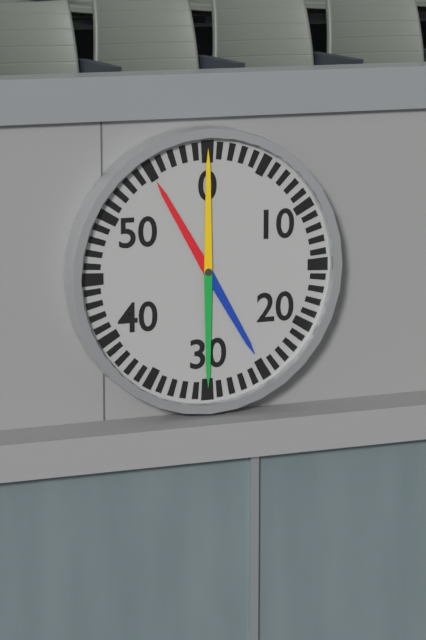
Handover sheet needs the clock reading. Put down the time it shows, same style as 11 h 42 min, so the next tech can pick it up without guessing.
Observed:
11 h 00 min
